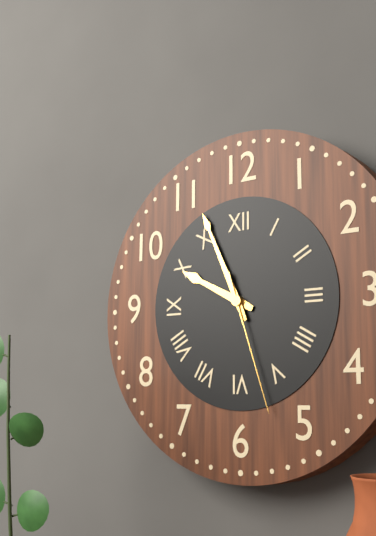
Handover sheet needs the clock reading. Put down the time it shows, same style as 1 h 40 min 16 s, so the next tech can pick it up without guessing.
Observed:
9 h 56 min 27 s
